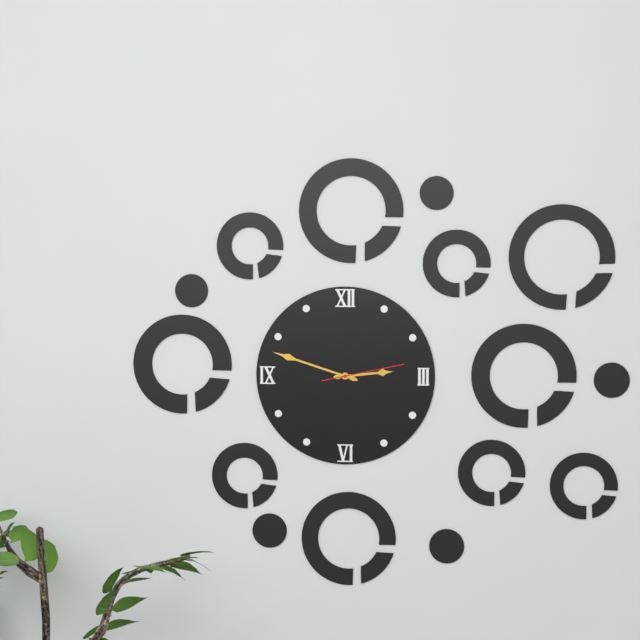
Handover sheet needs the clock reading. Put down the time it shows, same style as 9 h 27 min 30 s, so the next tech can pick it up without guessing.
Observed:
2 h 48 min 13 s
